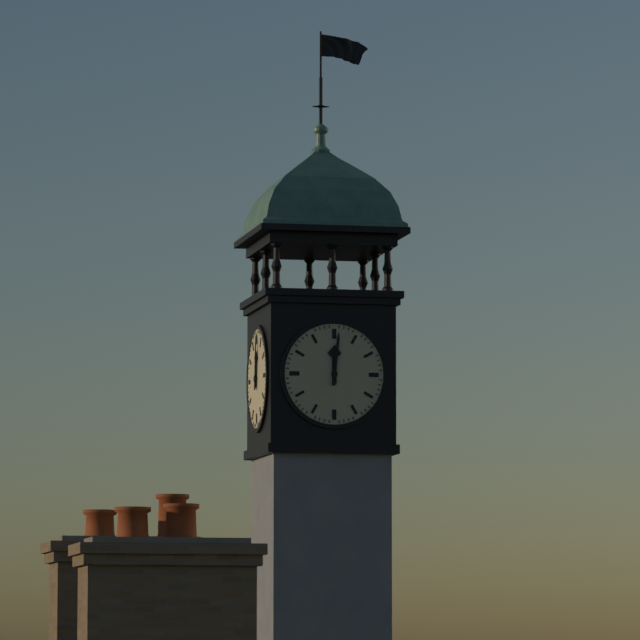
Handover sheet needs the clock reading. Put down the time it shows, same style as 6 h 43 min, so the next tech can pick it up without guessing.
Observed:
12 h 01 min
